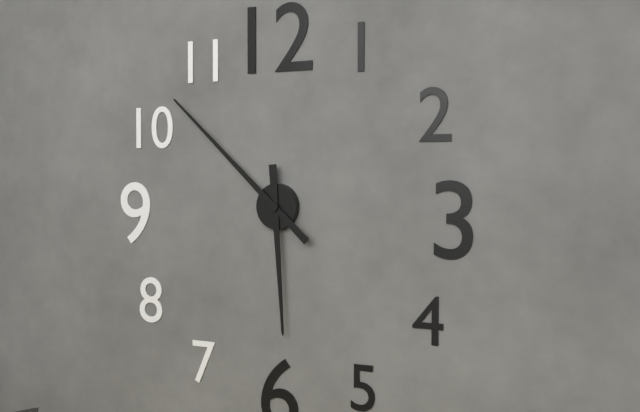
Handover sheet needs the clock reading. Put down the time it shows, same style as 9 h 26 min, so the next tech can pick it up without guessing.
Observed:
5 h 52 min
